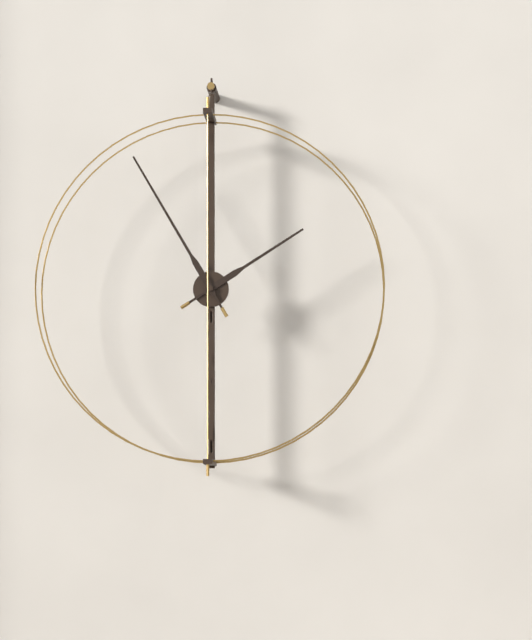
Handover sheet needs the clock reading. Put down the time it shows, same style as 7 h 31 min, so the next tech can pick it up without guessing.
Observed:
1 h 55 min
